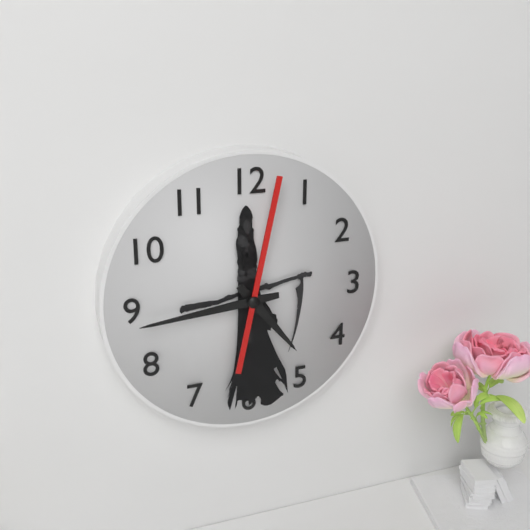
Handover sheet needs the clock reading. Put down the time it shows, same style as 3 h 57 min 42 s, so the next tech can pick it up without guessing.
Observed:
4 h 44 min 02 s
